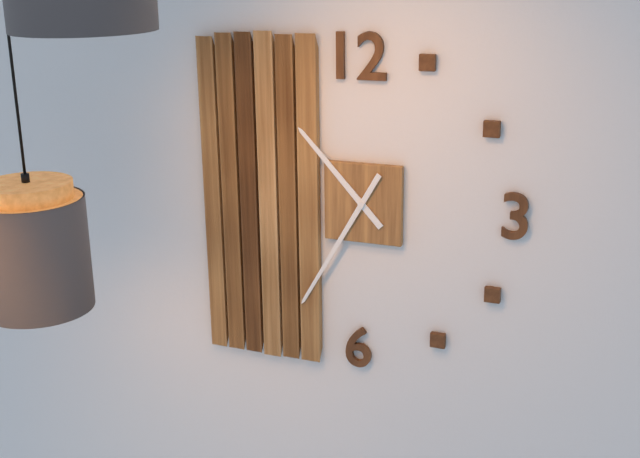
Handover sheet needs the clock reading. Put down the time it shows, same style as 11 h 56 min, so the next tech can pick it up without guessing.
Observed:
10 h 35 min
